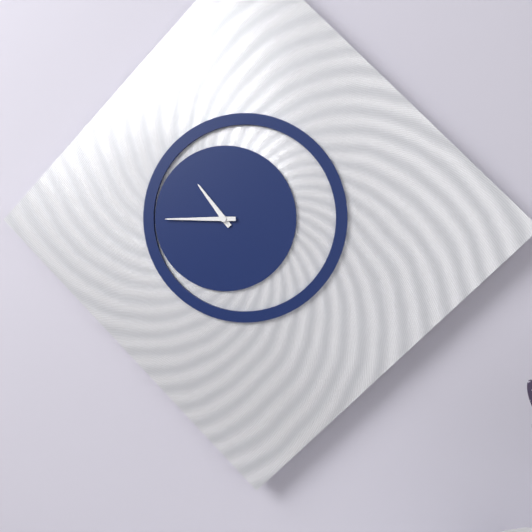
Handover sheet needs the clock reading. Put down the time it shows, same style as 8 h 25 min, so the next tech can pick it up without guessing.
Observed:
10 h 45 min
